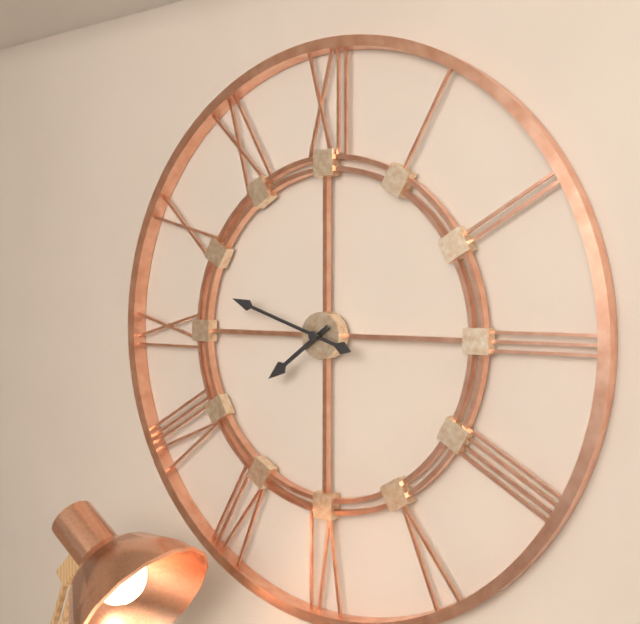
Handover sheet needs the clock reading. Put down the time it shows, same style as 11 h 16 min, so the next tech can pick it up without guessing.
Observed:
7 h 48 min
